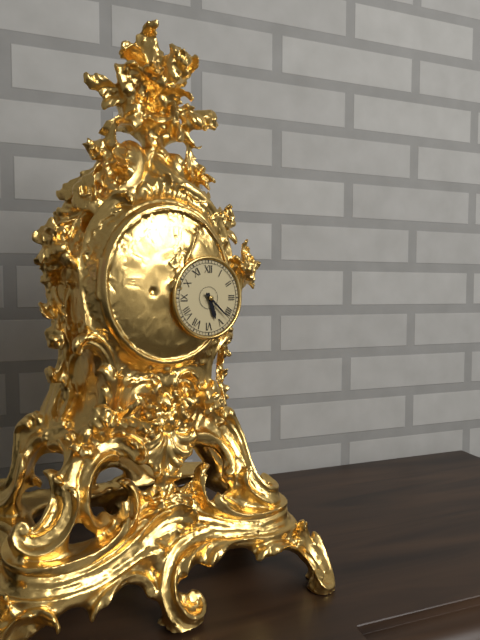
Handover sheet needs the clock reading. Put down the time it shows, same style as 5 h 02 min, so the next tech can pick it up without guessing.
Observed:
5 h 22 min
